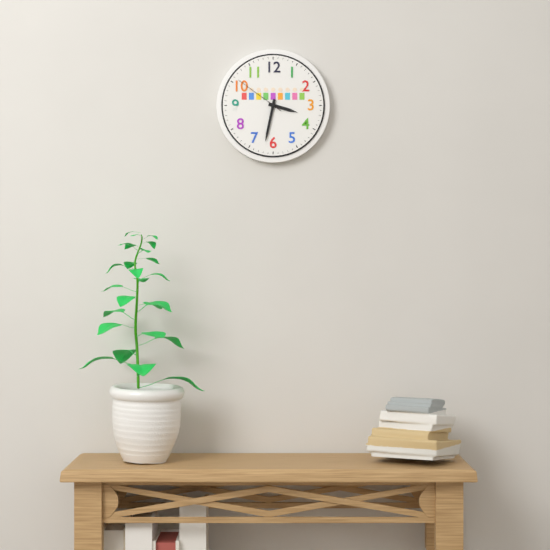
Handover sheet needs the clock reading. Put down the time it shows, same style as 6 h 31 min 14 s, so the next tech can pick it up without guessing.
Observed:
3 h 32 min 51 s
